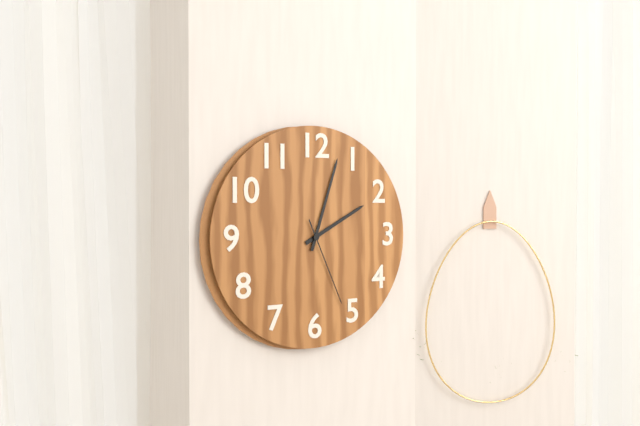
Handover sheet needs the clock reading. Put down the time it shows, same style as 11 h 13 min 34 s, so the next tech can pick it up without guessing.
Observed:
2 h 03 min 26 s
